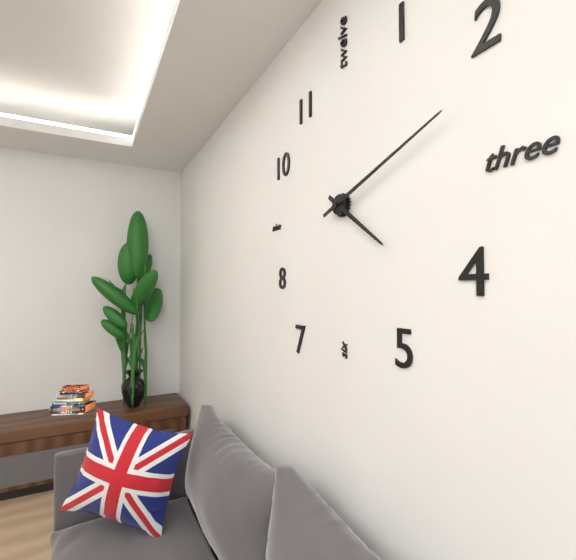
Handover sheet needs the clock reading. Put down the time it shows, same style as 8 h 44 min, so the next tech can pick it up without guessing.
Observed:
4 h 12 min
